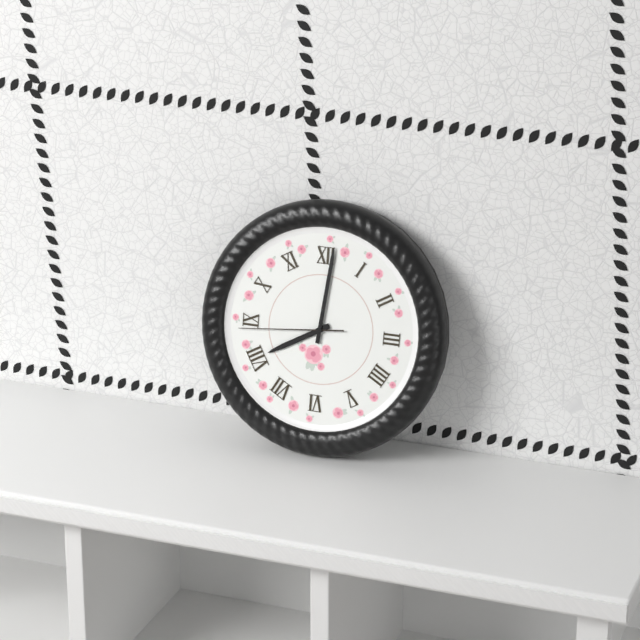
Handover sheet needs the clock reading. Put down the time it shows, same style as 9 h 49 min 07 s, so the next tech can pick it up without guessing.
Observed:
8 h 01 min 44 s
